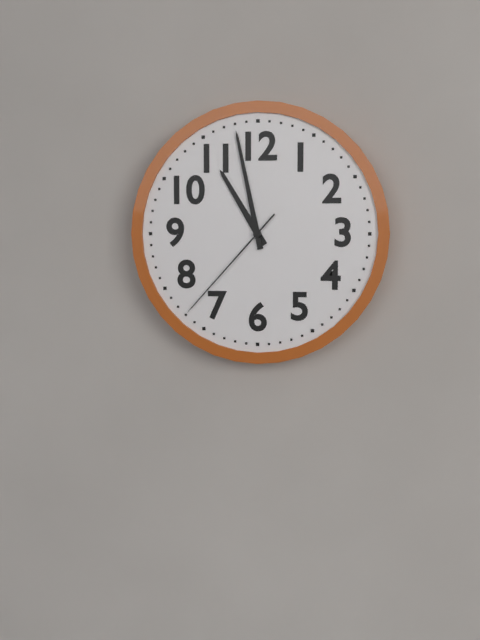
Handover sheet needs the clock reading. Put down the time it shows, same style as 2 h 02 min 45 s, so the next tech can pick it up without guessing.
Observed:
10 h 58 min 37 s
